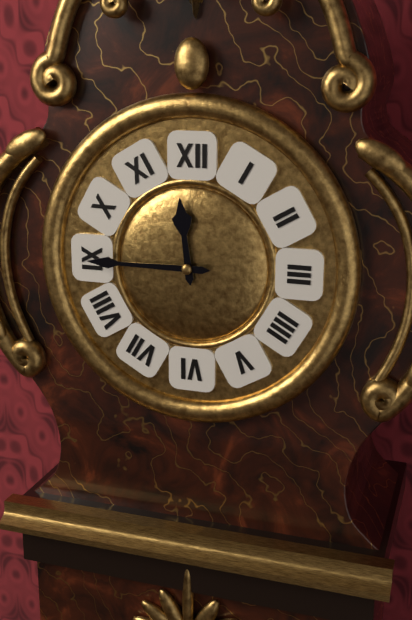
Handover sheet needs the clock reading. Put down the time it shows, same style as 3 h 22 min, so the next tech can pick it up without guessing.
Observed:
11 h 45 min
